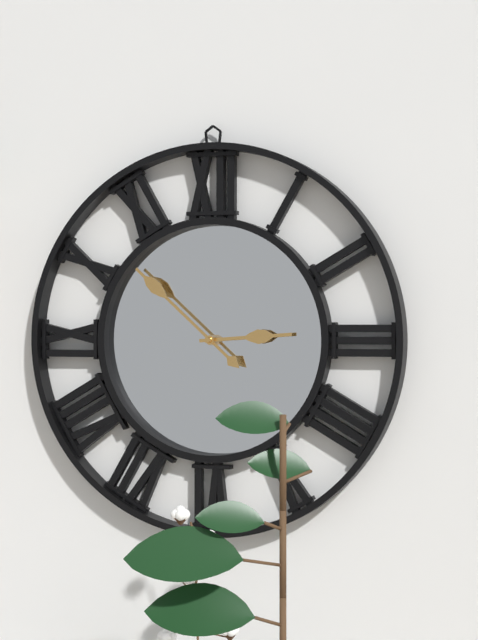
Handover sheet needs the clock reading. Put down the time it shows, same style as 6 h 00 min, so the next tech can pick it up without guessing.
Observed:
2 h 52 min
